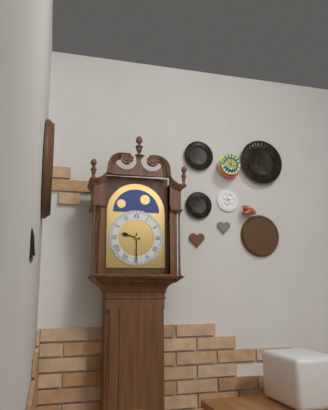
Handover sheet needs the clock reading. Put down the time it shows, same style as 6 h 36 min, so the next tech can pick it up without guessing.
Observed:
9 h 30 min
